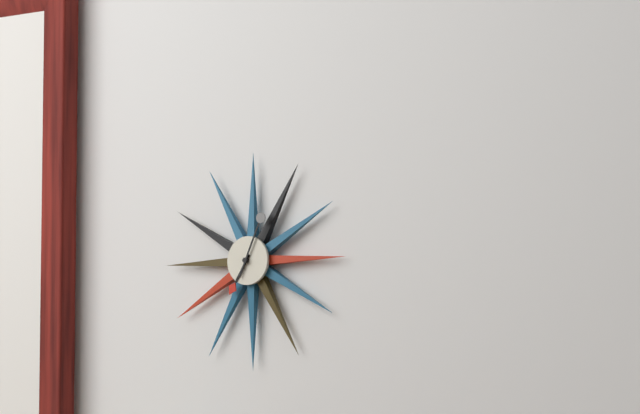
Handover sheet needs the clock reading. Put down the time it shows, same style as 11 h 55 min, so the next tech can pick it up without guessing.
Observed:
7 h 04 min
